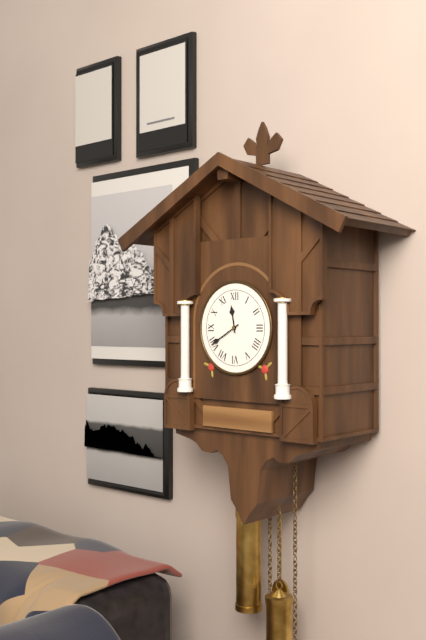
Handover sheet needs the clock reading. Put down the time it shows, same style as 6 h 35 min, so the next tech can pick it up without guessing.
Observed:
11 h 40 min
